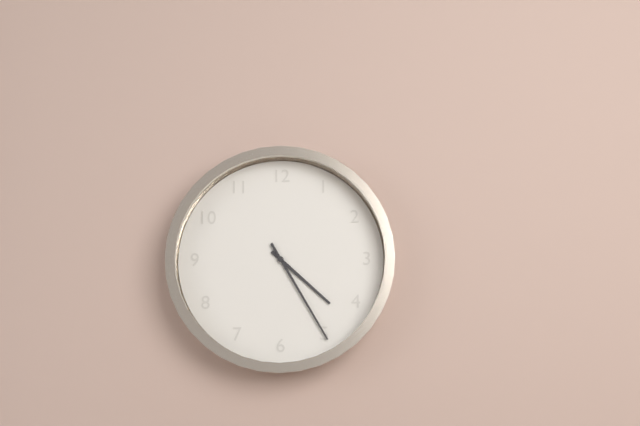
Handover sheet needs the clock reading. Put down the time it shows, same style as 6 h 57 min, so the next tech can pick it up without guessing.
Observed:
4 h 25 min
